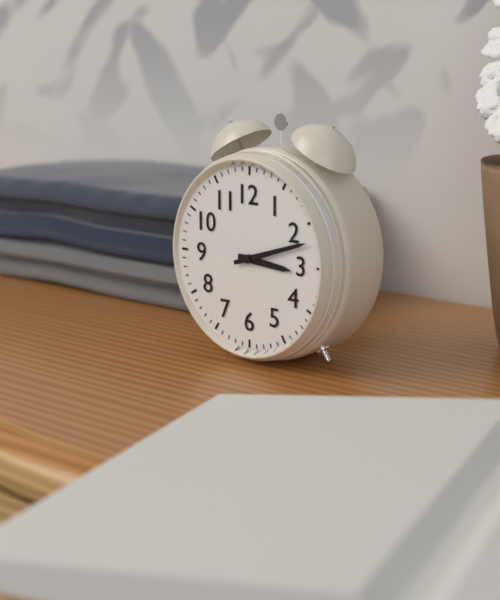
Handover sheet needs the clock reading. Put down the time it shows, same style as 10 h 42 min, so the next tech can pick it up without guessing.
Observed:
3 h 12 min
